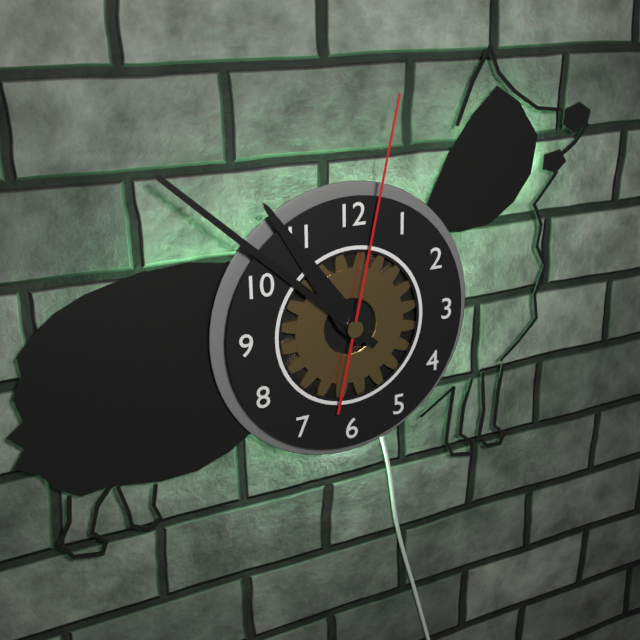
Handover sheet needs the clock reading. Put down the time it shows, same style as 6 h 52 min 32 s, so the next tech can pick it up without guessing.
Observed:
10 h 52 min 02 s
